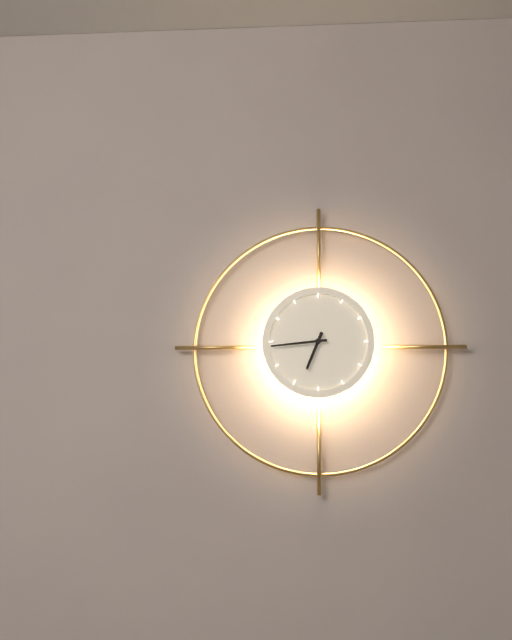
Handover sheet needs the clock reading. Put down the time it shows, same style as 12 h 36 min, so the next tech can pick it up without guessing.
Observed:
6 h 44 min
